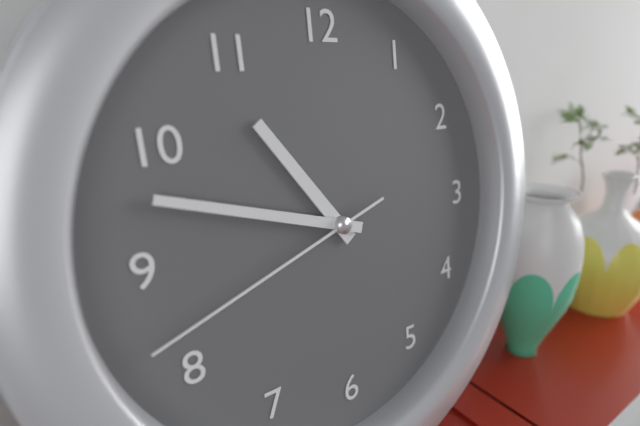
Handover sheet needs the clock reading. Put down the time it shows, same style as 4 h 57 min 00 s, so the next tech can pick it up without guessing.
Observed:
10 h 48 min 42 s
